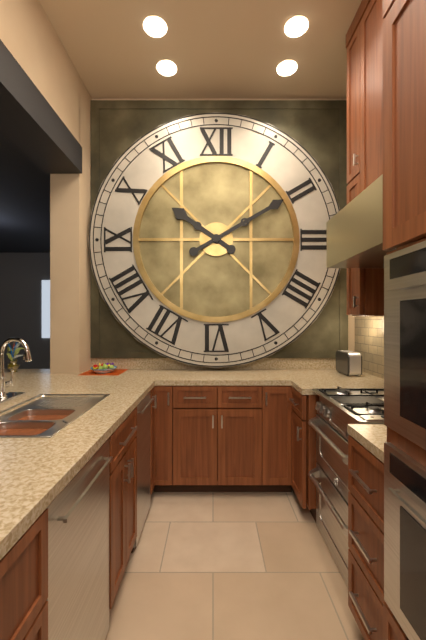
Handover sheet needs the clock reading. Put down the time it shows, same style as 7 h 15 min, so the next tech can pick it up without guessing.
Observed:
10 h 10 min
